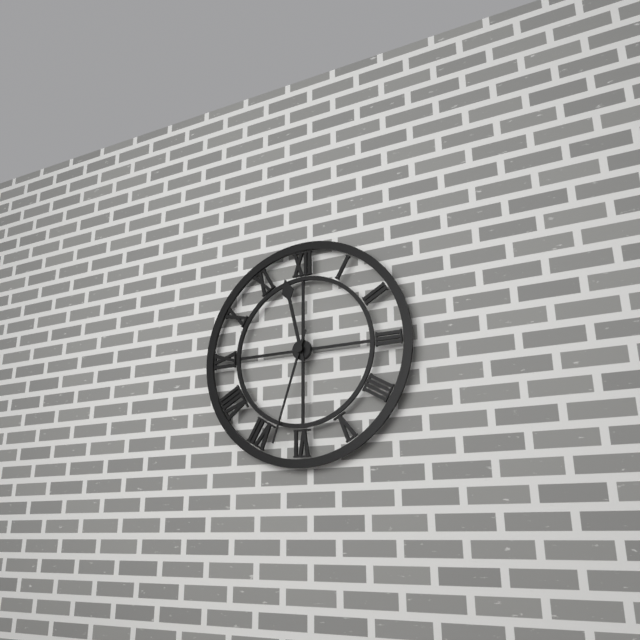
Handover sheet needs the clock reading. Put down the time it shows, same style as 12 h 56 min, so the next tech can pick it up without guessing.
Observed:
11 h 33 min
